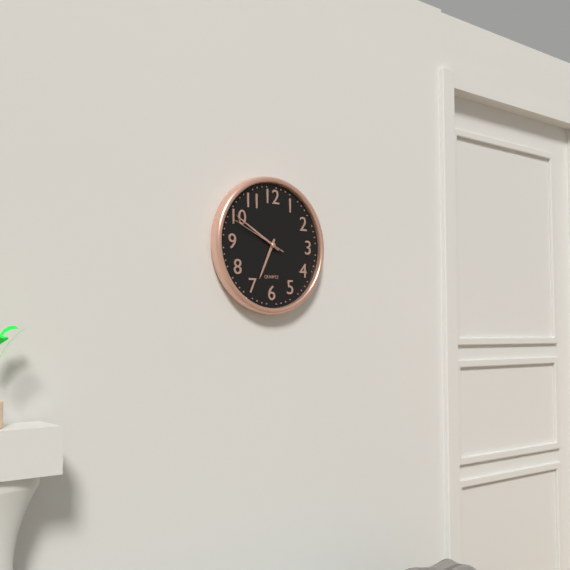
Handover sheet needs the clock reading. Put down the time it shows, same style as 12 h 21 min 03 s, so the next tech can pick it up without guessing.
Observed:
6 h 50 min 49 s
